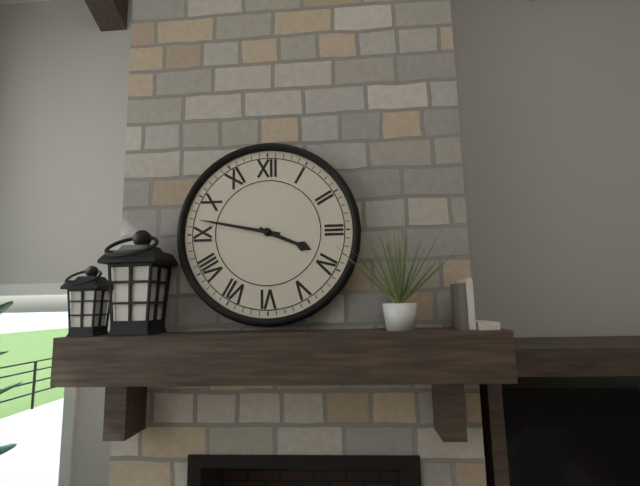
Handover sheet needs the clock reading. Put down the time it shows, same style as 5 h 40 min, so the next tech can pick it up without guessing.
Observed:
3 h 47 min
